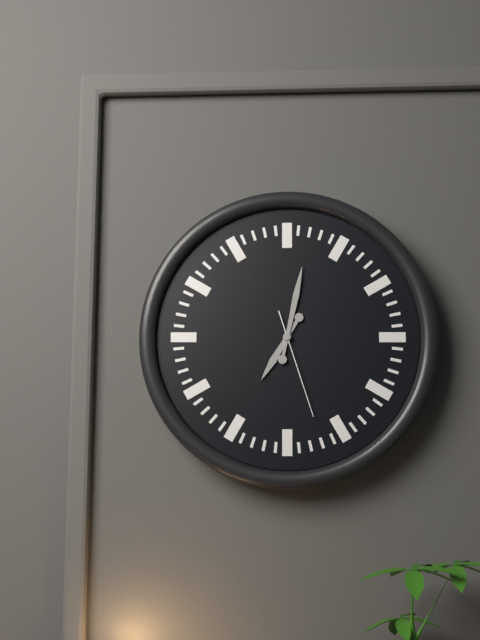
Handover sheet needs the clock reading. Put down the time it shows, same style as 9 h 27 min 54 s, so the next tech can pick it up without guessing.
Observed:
7 h 02 min 27 s
